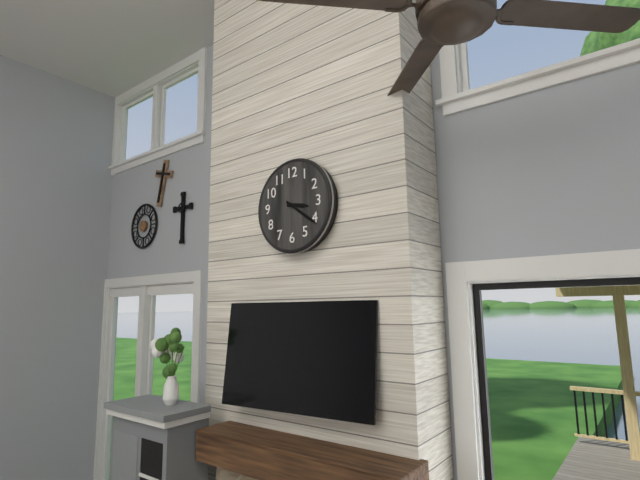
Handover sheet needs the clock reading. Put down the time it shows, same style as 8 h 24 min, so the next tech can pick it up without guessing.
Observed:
3 h 21 min
